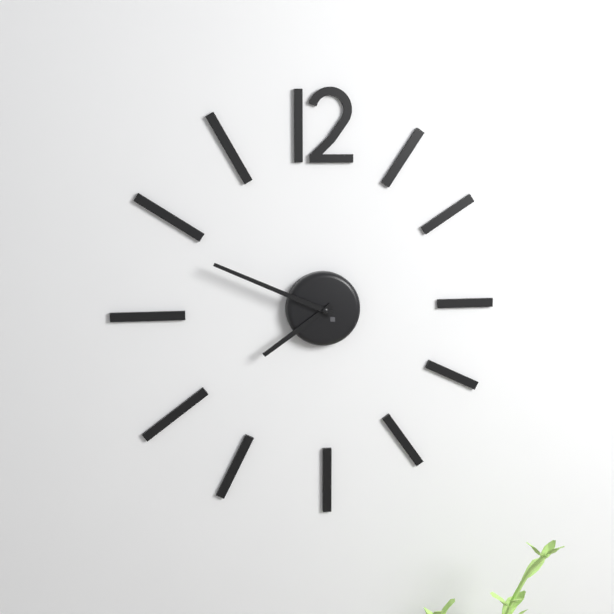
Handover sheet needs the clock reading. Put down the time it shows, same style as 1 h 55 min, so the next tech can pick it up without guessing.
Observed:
7 h 49 min
